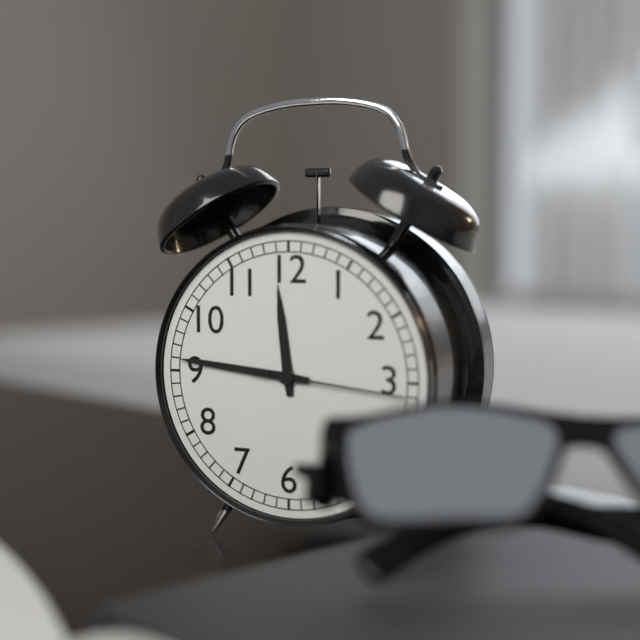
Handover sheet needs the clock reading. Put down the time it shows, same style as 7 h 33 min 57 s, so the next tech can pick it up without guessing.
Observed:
11 h 46 min 16 s
